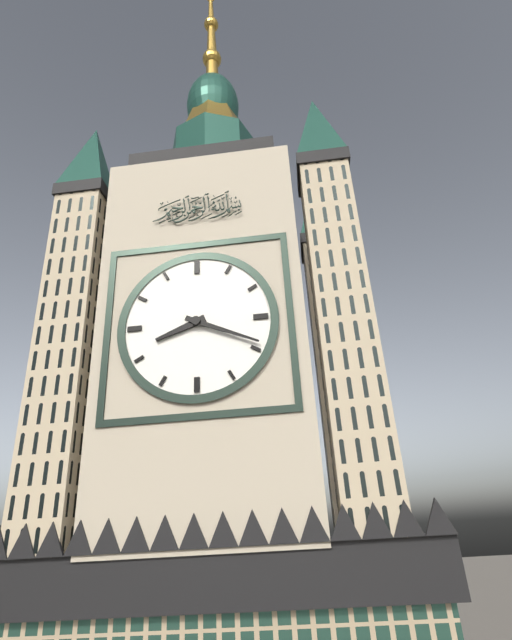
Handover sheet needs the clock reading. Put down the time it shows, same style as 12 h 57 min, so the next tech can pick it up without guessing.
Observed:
8 h 19 min
